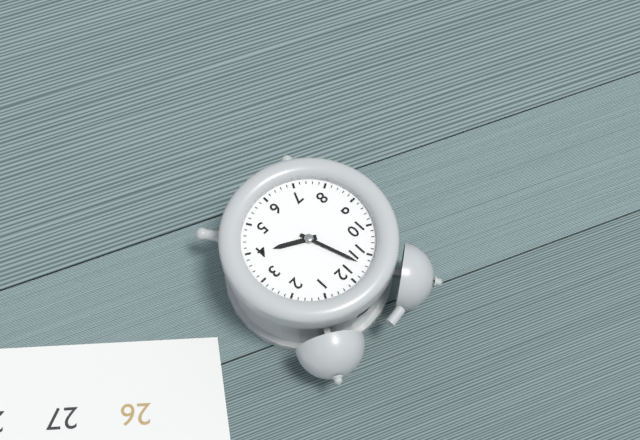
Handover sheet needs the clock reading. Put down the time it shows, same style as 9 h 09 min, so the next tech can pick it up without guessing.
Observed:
3 h 57 min
